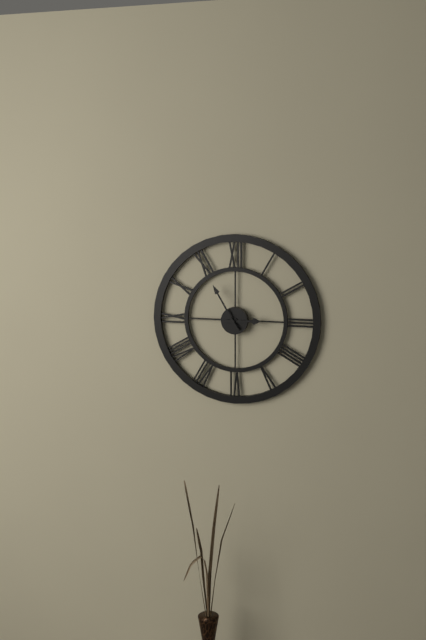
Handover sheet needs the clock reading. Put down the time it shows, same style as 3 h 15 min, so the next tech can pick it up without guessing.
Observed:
2 h 55 min
